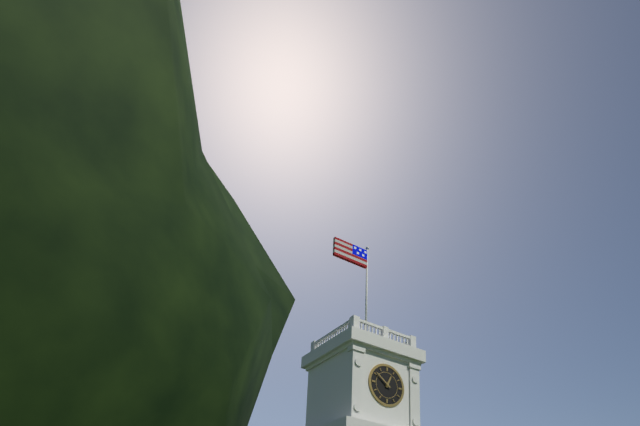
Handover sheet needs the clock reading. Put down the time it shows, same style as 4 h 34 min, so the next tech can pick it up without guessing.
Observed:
12 h 51 min
